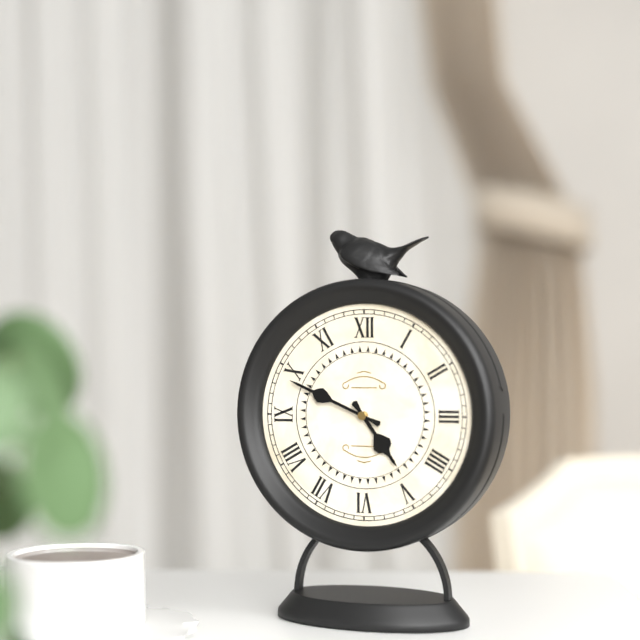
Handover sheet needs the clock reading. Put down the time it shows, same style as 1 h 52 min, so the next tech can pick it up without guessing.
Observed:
4 h 49 min
